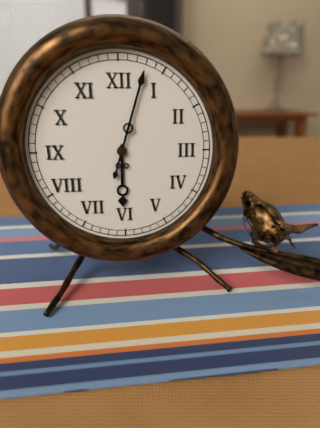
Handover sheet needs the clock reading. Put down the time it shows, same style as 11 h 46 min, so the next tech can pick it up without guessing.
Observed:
6 h 03 min
